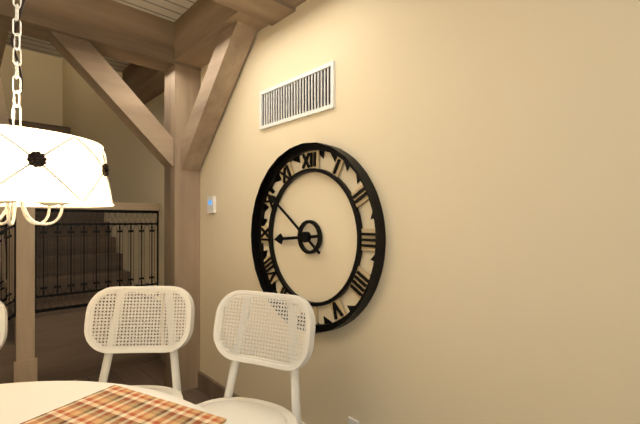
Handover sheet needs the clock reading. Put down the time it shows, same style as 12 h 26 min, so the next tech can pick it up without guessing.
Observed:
8 h 51 min
